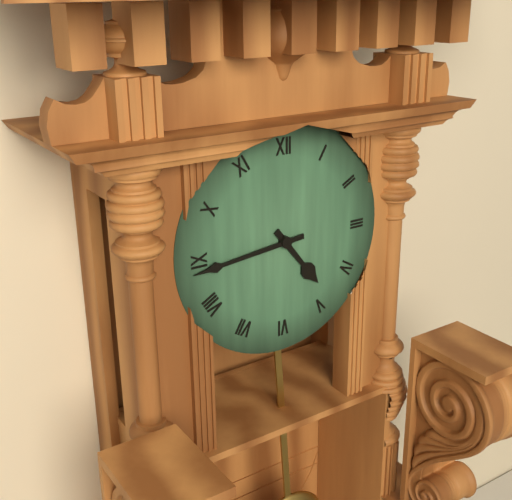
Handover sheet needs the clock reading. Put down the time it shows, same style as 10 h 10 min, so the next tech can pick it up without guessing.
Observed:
4 h 44 min
